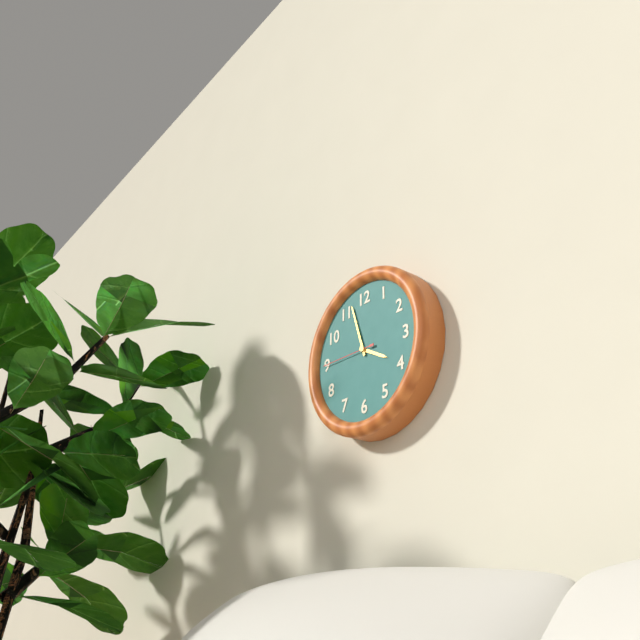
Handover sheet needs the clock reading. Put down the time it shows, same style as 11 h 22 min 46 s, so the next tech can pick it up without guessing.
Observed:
3 h 57 min 45 s
